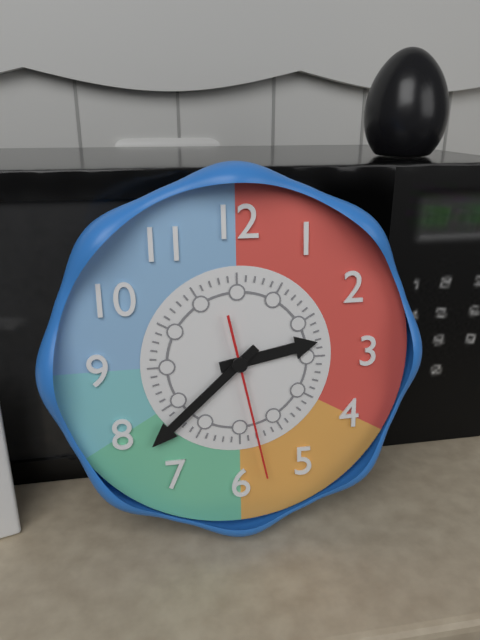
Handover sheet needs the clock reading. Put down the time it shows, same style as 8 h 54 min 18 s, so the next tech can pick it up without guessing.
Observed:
2 h 38 min 28 s
